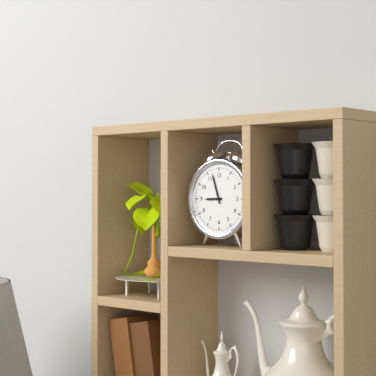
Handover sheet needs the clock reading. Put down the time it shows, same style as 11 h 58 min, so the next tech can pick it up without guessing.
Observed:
8 h 57 min
